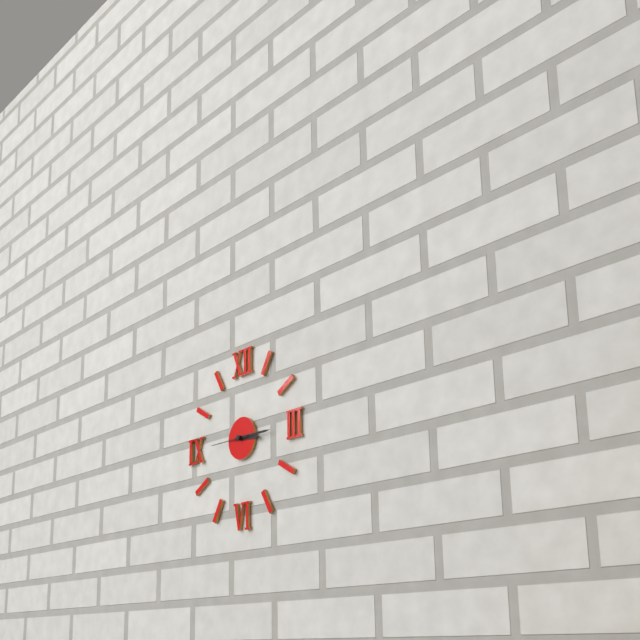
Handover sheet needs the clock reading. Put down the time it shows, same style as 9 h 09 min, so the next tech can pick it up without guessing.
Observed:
3 h 15 min
